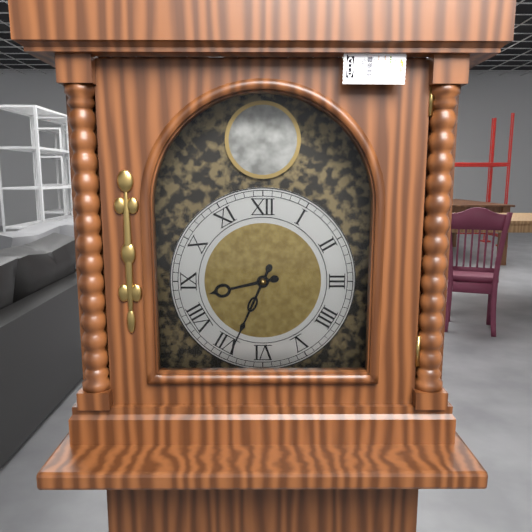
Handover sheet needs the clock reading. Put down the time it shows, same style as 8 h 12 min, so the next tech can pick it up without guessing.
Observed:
8 h 34 min
